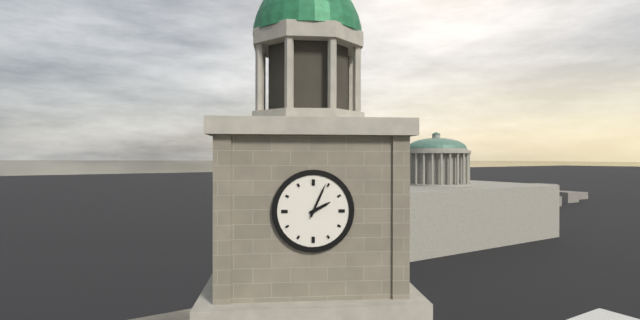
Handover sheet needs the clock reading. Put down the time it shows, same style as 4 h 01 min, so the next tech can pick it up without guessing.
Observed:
2 h 04 min
